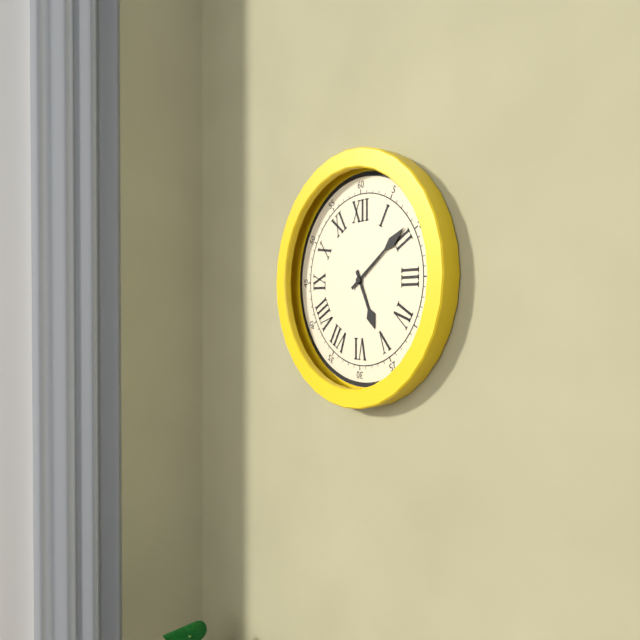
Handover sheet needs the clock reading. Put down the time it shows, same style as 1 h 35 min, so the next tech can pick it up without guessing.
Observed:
5 h 09 min
